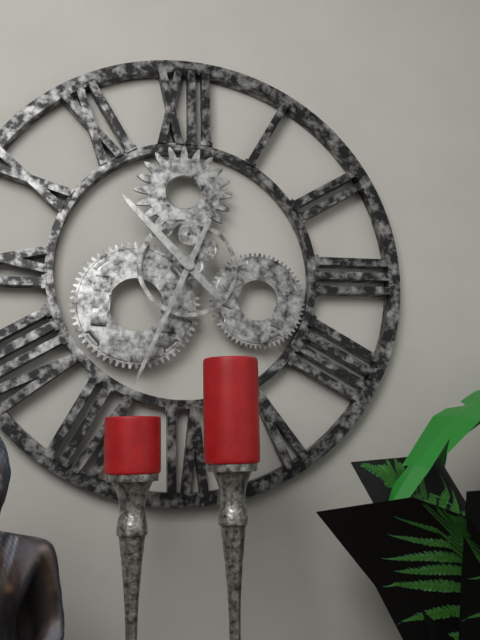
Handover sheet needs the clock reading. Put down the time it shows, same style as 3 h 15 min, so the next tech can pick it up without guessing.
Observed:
10 h 34 min
